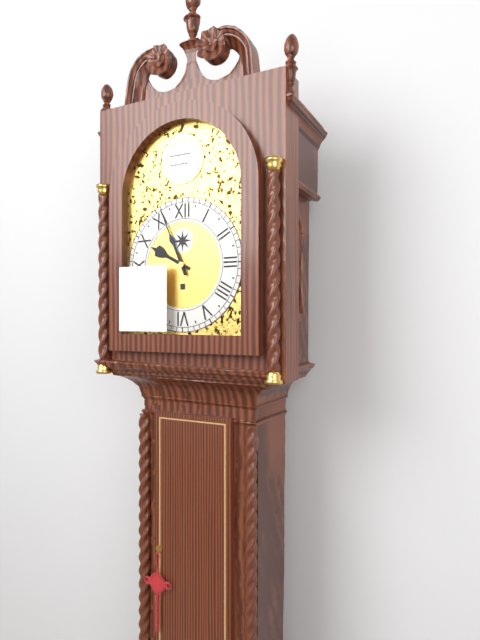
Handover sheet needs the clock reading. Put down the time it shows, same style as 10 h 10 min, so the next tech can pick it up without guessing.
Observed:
9 h 56 min
